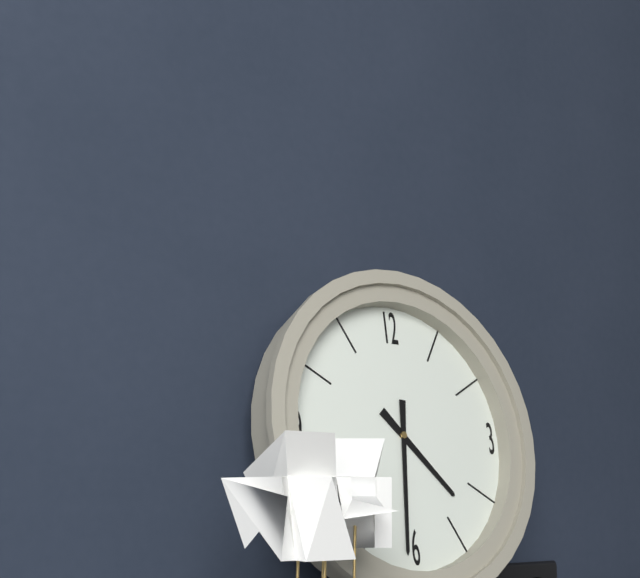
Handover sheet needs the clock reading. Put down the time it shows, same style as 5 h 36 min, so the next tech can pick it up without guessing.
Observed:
4 h 31 min
